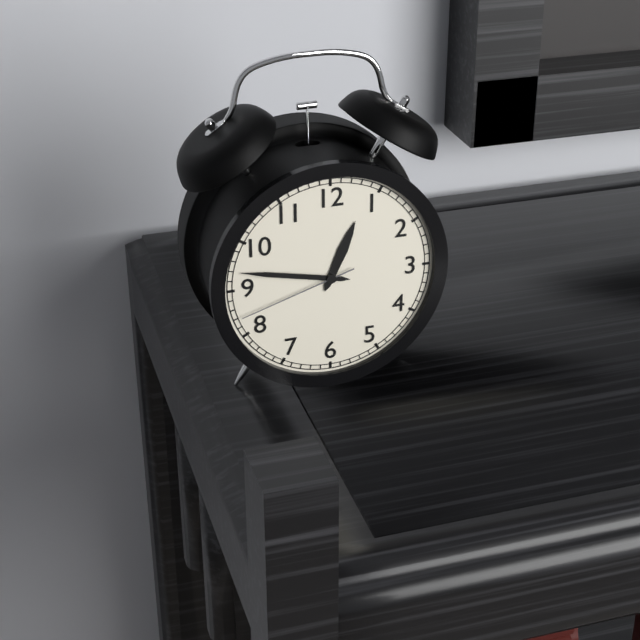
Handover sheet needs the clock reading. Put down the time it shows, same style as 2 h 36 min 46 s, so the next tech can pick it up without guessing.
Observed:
12 h 47 min 42 s
